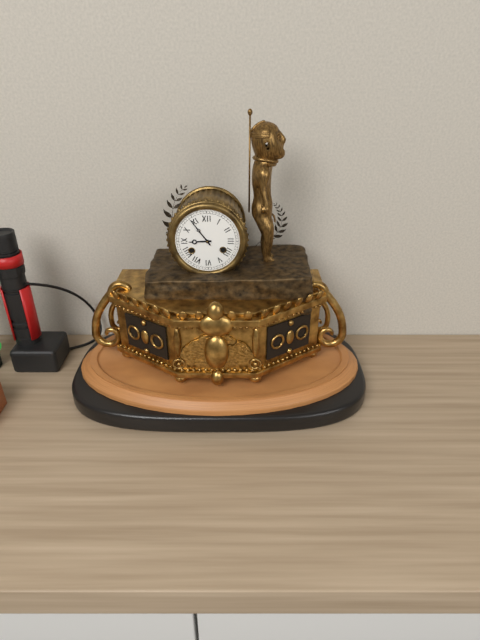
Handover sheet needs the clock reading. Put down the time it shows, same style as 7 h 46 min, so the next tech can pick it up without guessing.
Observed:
8 h 54 min
